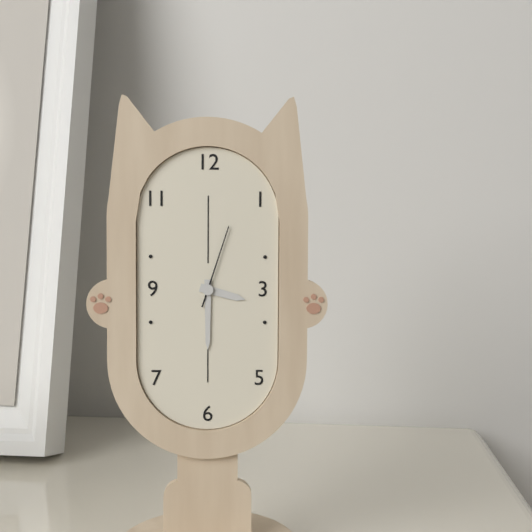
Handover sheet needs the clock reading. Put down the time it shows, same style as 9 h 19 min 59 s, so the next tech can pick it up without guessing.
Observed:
3 h 30 min 03 s
